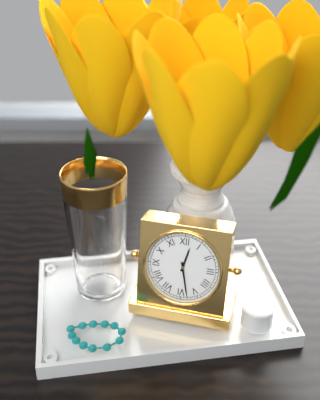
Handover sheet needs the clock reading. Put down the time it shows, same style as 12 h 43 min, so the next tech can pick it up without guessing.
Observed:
12 h 28 min
